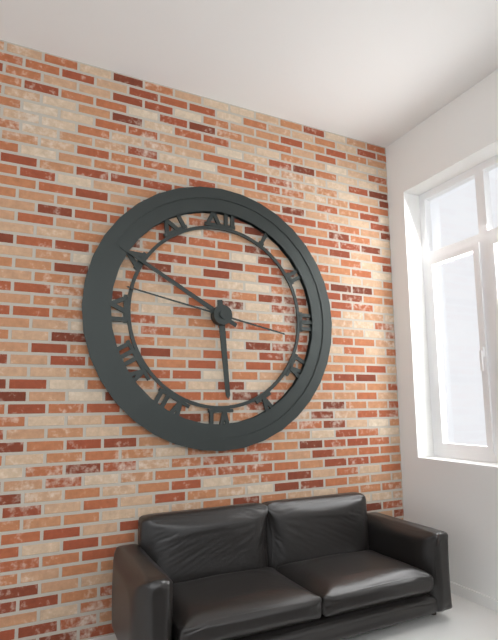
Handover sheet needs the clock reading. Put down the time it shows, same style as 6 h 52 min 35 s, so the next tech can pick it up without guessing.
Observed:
5 h 50 min 47 s
